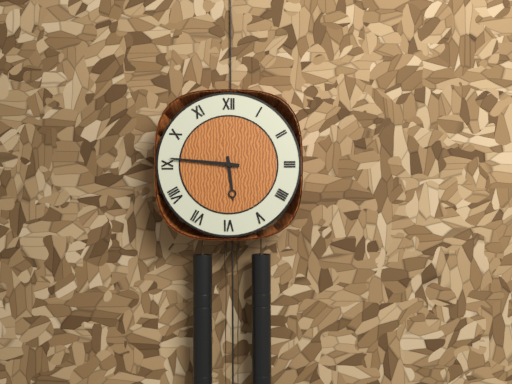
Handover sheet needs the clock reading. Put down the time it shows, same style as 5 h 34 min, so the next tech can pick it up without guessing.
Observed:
5 h 46 min
